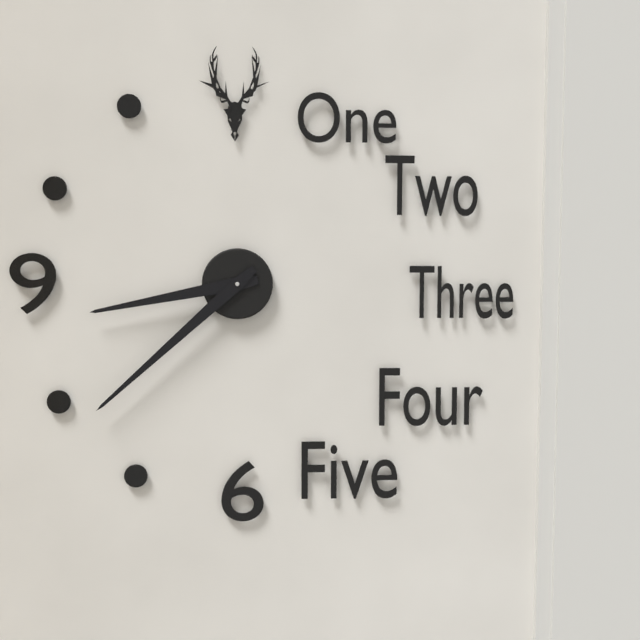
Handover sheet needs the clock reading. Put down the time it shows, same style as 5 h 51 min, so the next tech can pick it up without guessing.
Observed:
8 h 38 min
